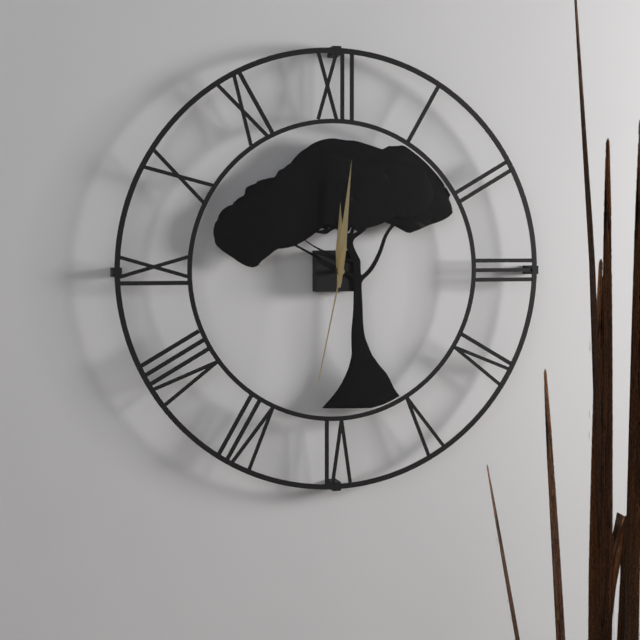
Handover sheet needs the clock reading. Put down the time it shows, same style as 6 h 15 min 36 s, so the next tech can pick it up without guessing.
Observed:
12 h 01 min 32 s
